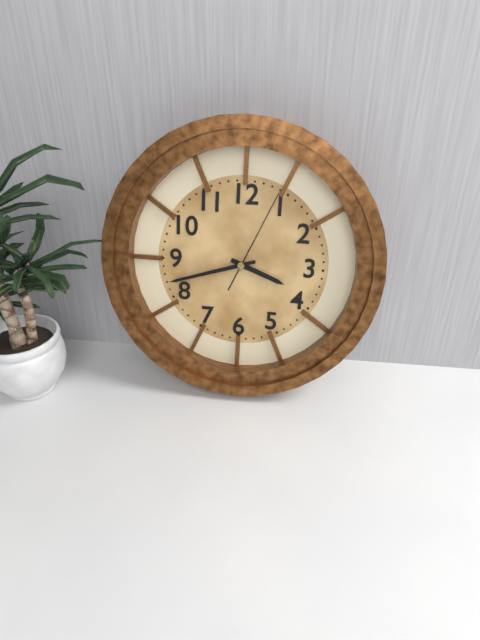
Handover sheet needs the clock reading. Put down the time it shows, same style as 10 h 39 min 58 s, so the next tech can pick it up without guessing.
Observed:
3 h 42 min 04 s
